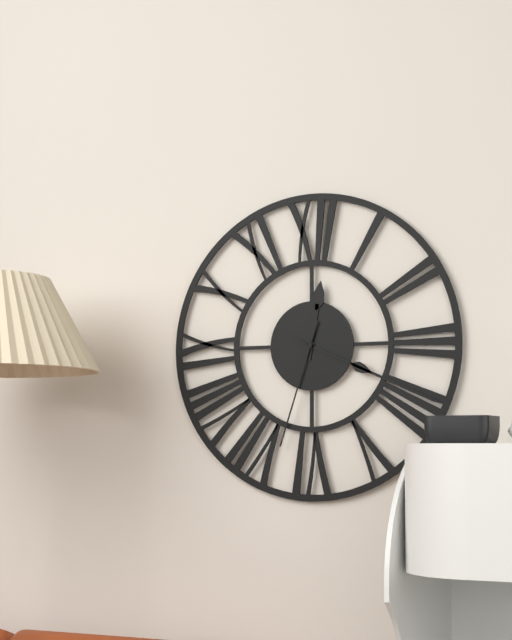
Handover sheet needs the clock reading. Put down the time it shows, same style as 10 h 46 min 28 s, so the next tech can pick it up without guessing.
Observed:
12 h 19 min 33 s
